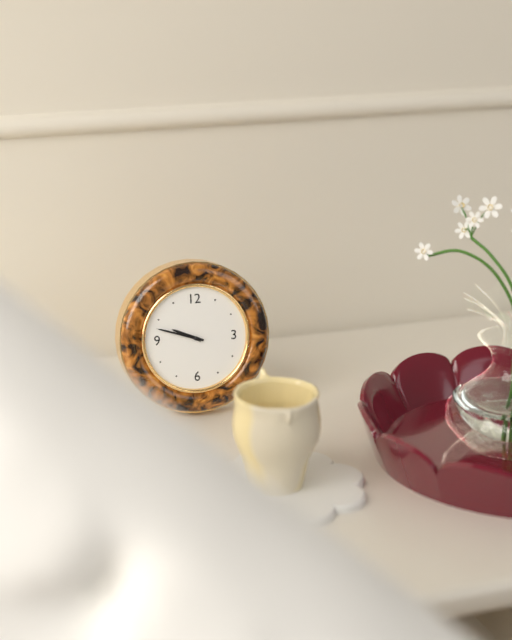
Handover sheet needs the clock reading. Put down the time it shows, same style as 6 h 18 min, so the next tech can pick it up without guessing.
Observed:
9 h 48 min
